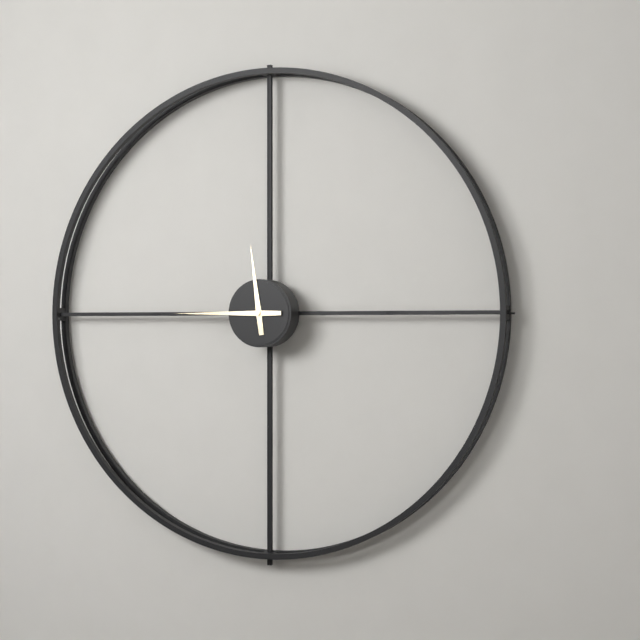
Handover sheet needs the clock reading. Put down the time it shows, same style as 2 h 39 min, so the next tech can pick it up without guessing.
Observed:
11 h 45 min
